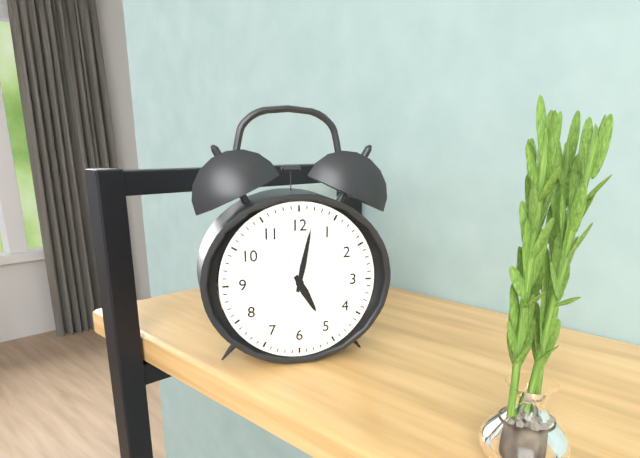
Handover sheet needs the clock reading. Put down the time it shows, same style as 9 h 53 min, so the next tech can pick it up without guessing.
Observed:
5 h 02 min
